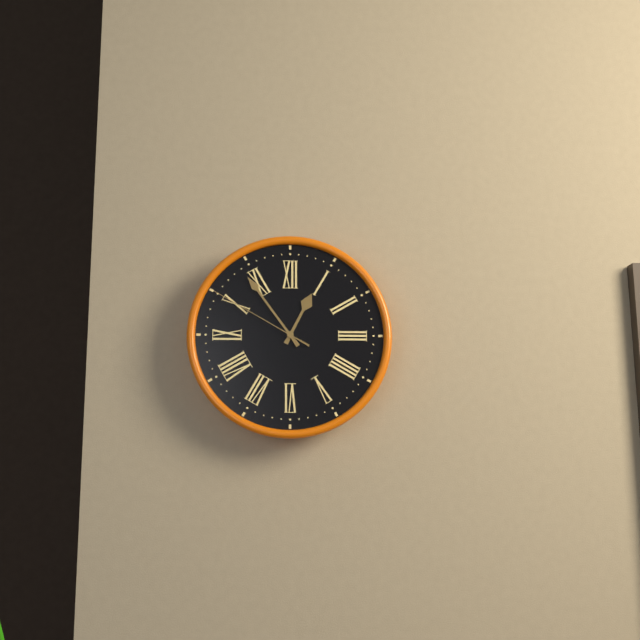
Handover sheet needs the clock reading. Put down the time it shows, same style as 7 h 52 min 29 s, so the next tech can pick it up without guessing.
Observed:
12 h 54 min 50 s
